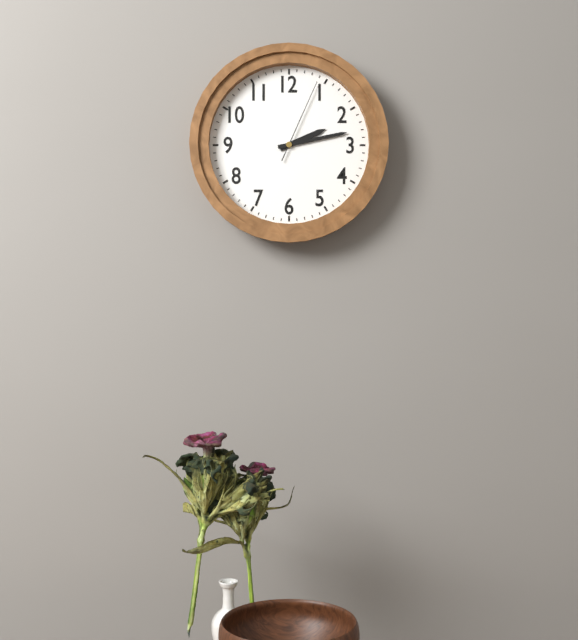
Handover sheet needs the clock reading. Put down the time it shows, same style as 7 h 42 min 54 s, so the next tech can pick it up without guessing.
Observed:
2 h 13 min 04 s
